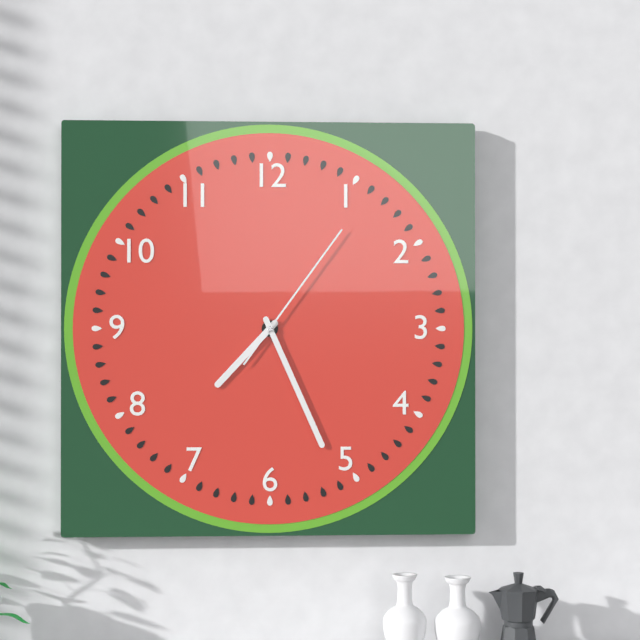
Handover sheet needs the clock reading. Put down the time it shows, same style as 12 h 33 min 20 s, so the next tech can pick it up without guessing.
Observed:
7 h 26 min 06 s
